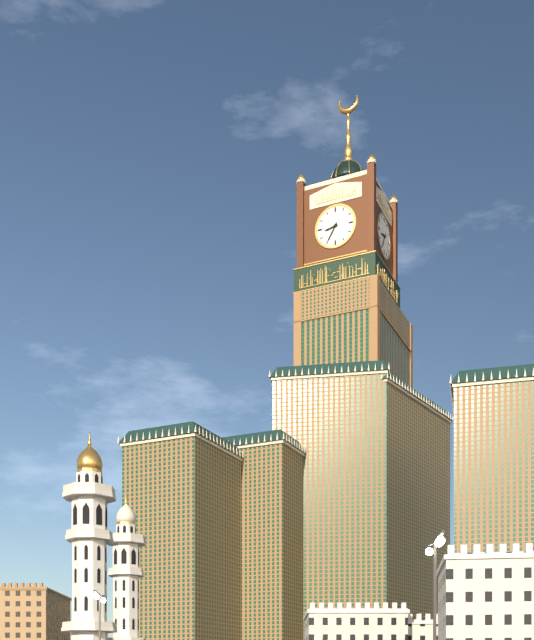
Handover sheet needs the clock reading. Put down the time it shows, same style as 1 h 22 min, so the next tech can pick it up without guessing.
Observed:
8 h 35 min
